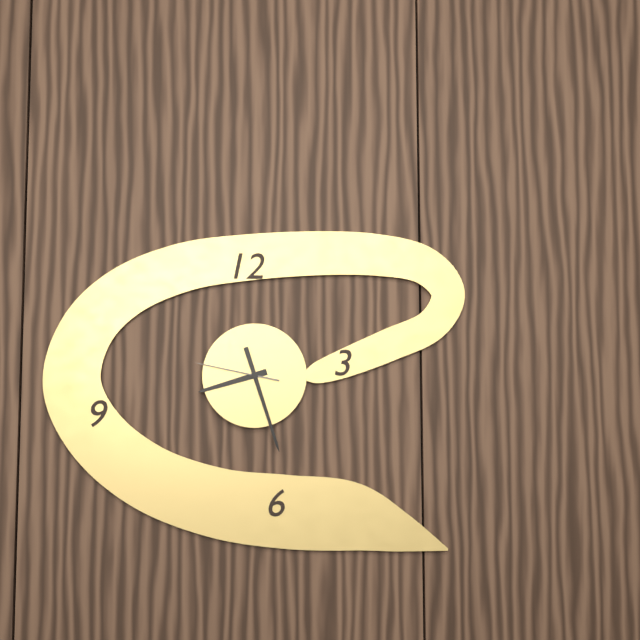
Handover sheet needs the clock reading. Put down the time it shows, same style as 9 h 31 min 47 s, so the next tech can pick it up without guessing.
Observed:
8 h 27 min 47 s
